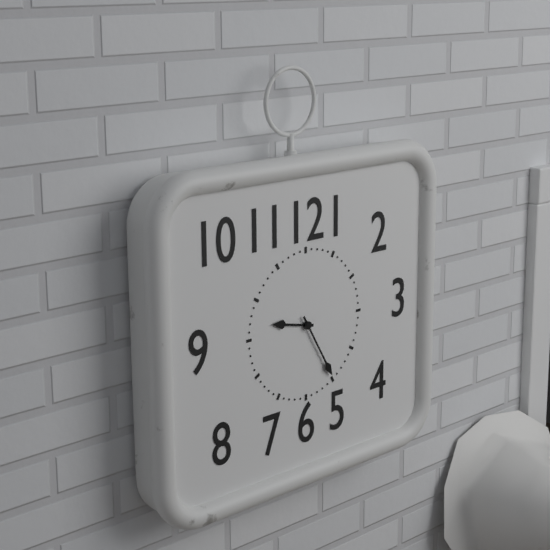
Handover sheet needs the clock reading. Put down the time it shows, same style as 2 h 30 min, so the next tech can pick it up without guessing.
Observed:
9 h 25 min
